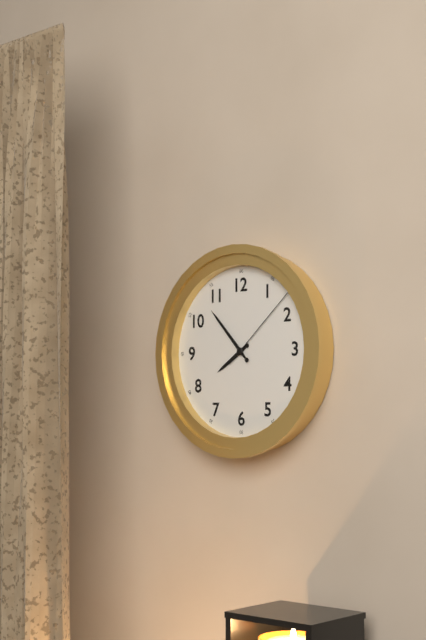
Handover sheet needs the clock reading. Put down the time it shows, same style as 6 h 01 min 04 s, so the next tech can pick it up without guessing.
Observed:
7 h 53 min 08 s
